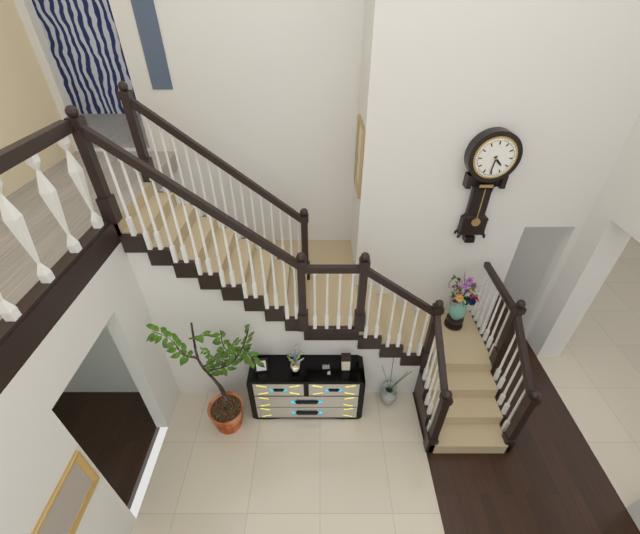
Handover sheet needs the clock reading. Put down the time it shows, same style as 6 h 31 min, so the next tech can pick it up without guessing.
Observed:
4 h 31 min
